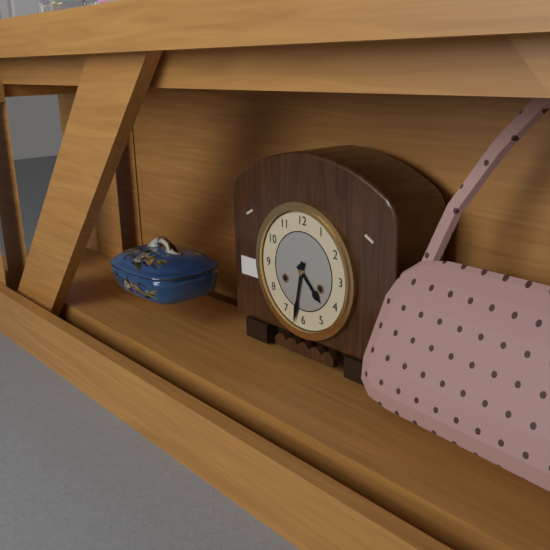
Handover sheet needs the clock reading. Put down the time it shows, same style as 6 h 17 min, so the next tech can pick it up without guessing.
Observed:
4 h 32 min
